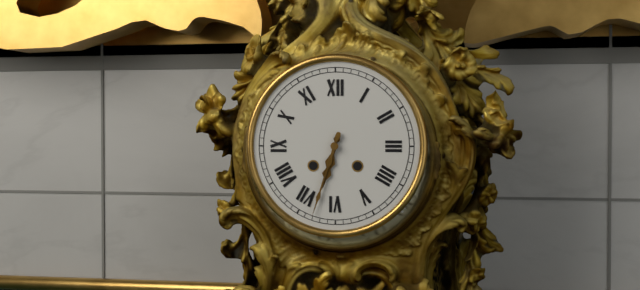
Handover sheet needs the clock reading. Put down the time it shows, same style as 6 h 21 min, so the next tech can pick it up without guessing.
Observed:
6 h 33 min
